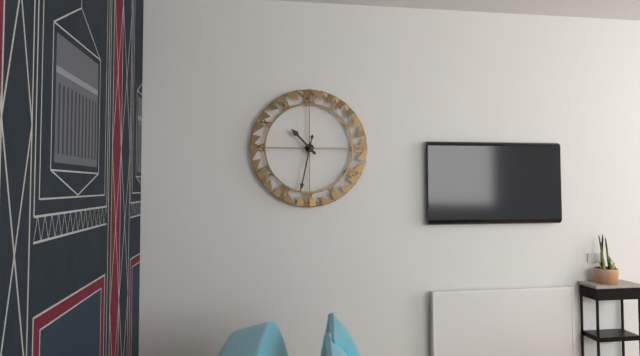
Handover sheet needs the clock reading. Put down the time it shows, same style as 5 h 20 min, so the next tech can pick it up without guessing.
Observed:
10 h 32 min
